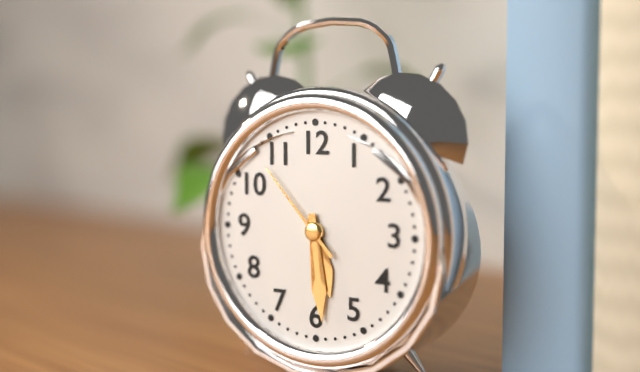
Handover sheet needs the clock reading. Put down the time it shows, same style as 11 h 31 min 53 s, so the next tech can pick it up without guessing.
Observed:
5 h 29 min 53 s
